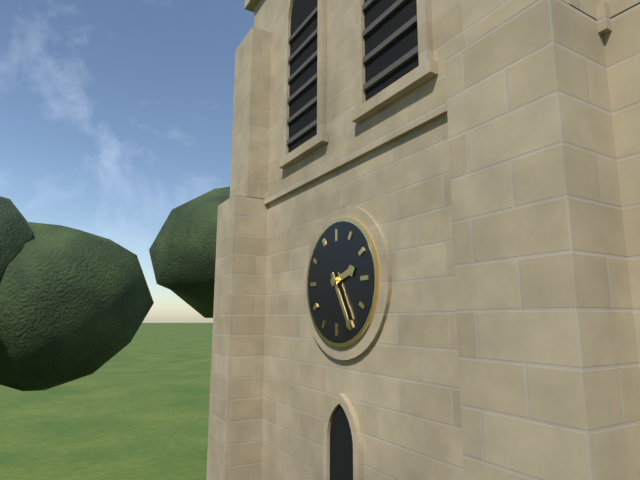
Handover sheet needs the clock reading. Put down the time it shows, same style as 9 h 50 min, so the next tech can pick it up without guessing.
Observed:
2 h 25 min
